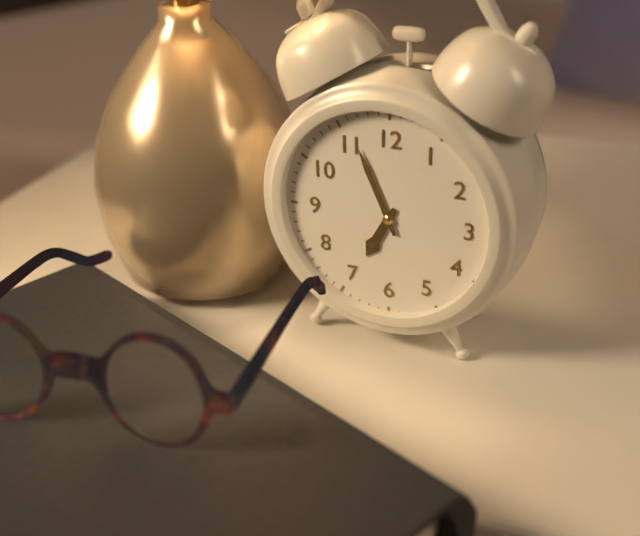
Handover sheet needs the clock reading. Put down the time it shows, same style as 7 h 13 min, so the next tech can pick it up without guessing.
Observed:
6 h 56 min
